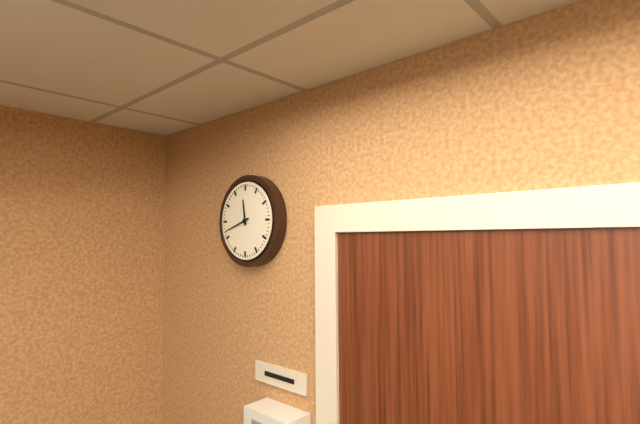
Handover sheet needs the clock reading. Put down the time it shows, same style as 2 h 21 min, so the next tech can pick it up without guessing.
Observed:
11 h 42 min
